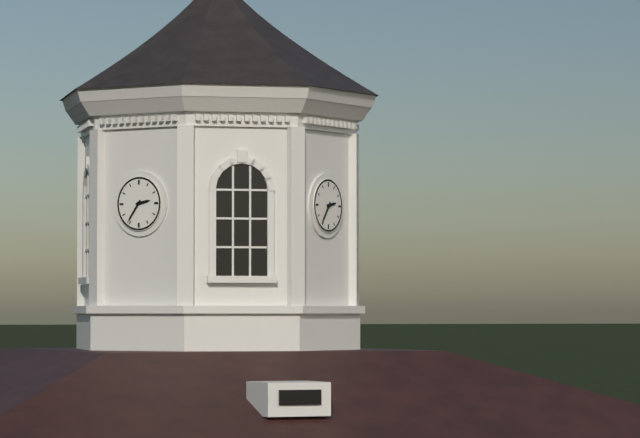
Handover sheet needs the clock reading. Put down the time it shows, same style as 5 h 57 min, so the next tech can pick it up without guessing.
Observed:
2 h 36 min
